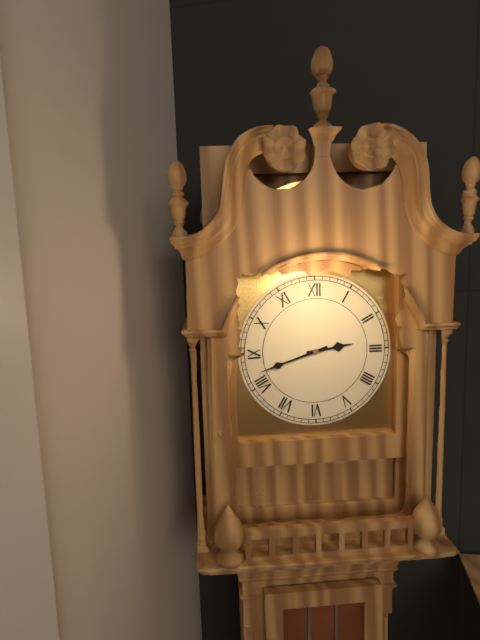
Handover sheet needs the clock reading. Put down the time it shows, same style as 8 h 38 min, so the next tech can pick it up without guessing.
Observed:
2 h 42 min
